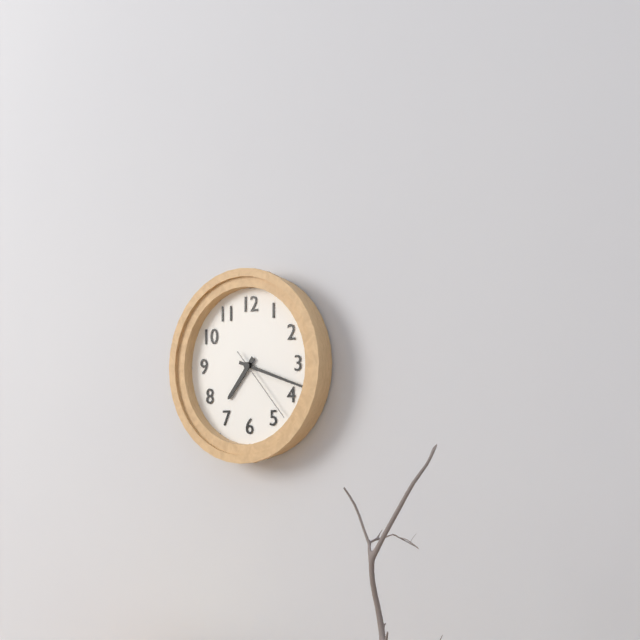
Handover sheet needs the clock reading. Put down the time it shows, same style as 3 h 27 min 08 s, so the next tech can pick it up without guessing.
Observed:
7 h 18 min 23 s
